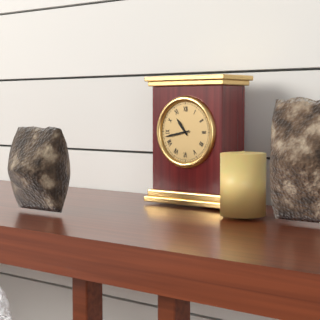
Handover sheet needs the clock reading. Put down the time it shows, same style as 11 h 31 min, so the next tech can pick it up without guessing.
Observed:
10 h 43 min
